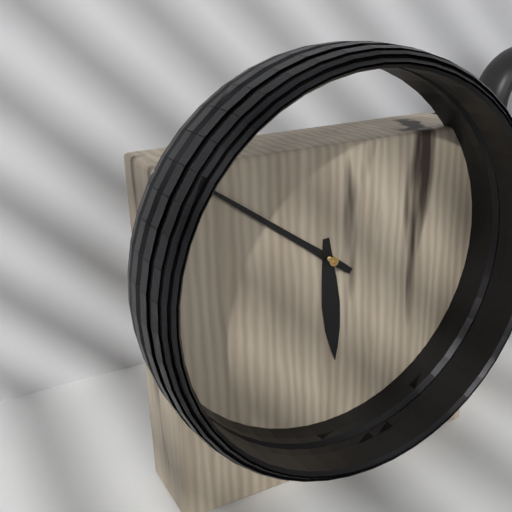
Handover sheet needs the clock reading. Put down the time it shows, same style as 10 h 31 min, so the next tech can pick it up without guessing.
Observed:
5 h 51 min
